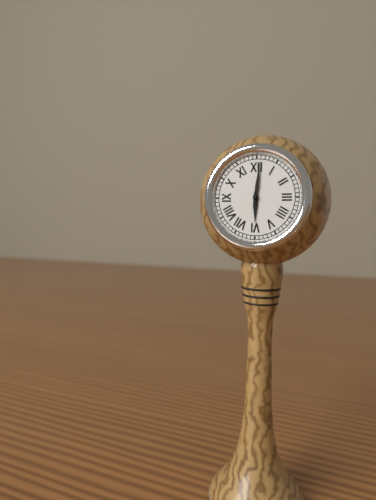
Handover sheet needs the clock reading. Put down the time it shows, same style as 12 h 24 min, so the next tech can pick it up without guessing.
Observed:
6 h 01 min
